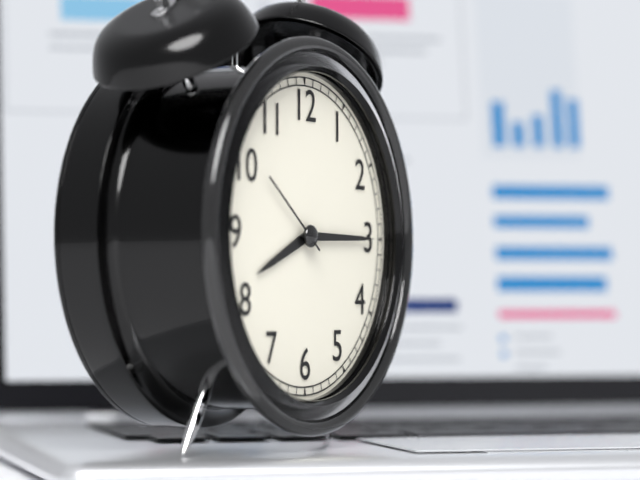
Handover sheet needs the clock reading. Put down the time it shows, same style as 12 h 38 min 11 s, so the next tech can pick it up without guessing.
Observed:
8 h 15 min 51 s
